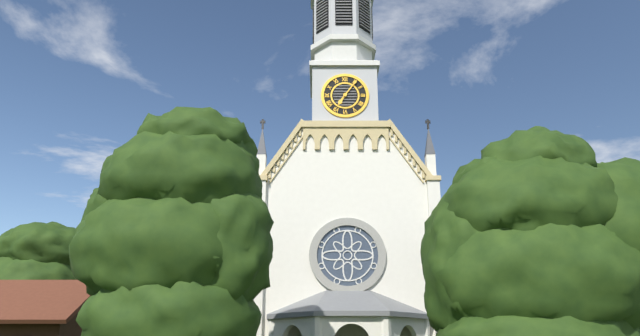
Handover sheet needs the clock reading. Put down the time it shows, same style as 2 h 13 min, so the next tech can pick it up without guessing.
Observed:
7 h 06 min
